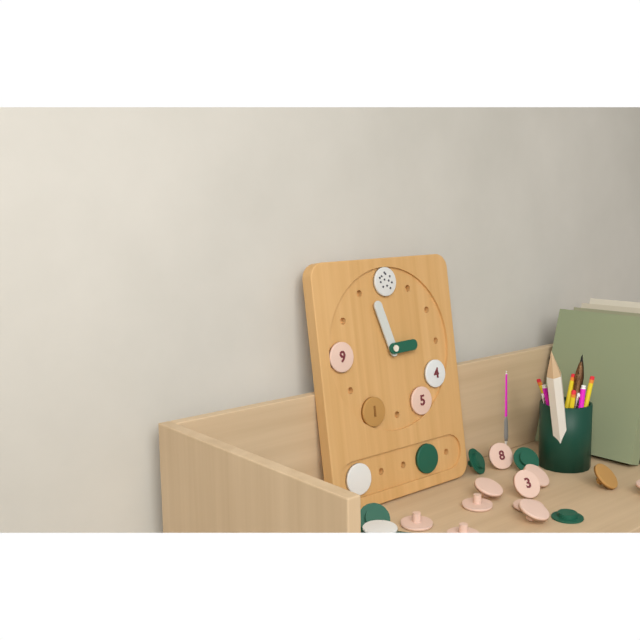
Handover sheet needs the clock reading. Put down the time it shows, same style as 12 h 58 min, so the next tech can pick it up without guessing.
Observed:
2 h 57 min
